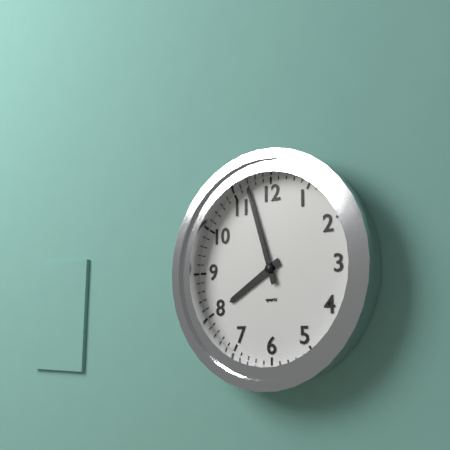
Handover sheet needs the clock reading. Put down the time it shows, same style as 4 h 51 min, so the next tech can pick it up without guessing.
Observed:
7 h 57 min
